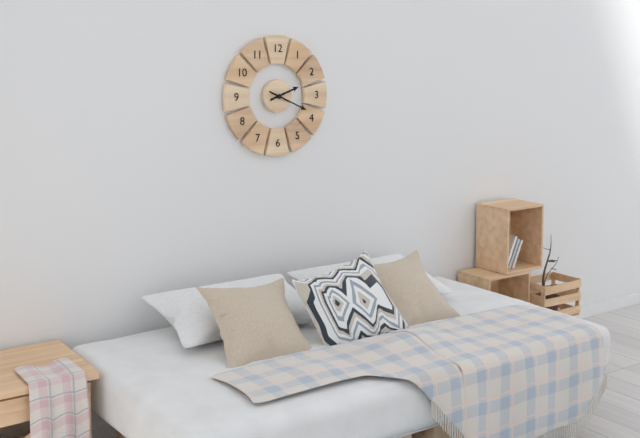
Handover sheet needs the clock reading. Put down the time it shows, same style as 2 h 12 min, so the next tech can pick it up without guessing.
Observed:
2 h 19 min
